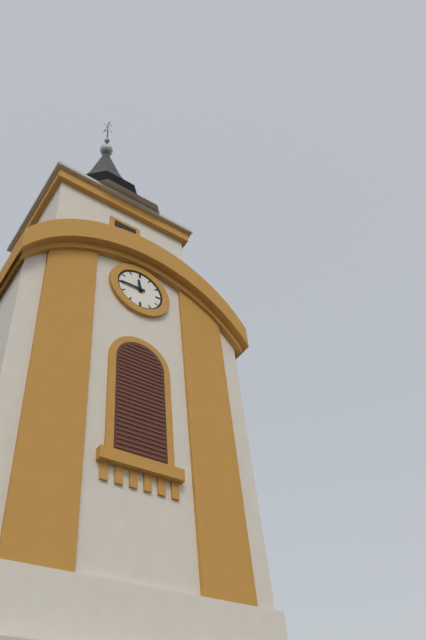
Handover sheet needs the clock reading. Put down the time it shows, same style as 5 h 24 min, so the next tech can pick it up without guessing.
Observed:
11 h 45 min
